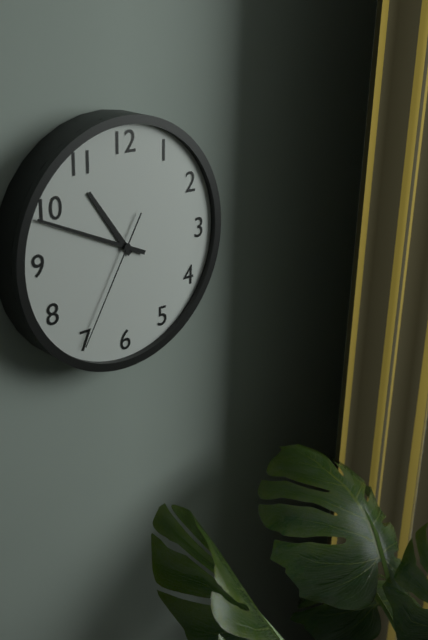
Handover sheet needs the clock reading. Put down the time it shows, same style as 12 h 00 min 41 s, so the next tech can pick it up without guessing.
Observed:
10 h 49 min 35 s
